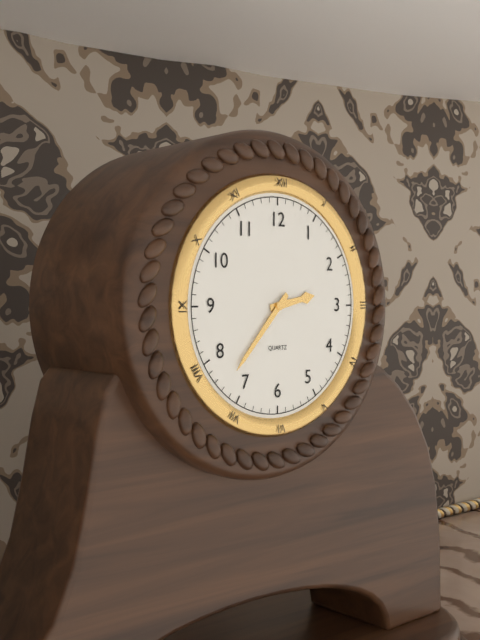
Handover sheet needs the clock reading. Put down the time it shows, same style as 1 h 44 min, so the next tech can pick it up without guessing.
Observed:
2 h 37 min
